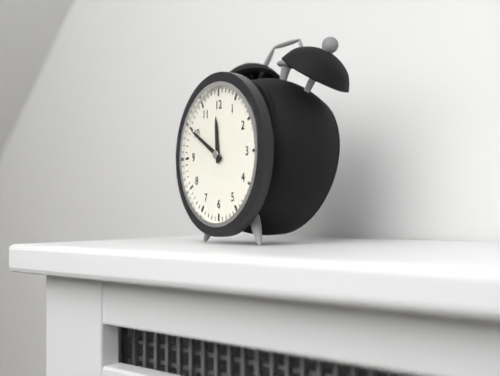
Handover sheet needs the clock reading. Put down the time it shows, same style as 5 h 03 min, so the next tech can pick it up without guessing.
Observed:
11 h 50 min
